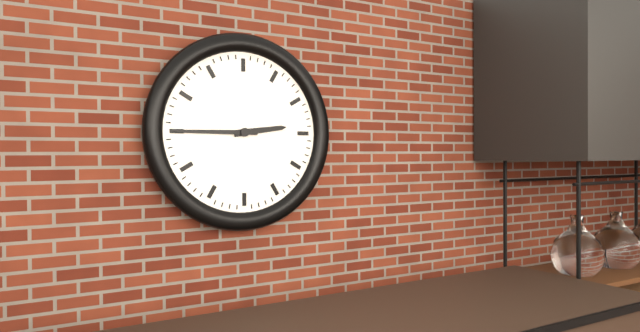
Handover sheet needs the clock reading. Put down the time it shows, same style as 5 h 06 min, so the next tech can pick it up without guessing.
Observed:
2 h 45 min
